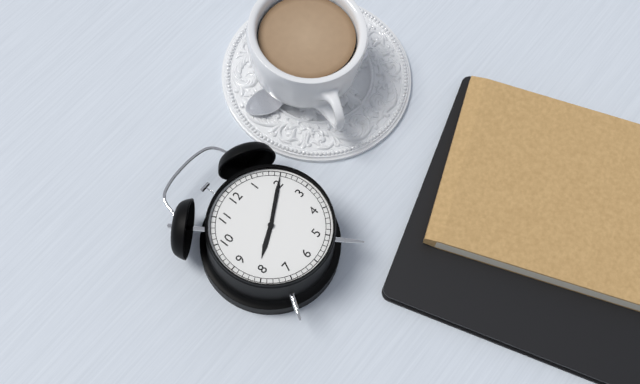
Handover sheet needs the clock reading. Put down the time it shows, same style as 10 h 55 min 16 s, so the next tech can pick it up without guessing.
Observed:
8 h 10 min 10 s
